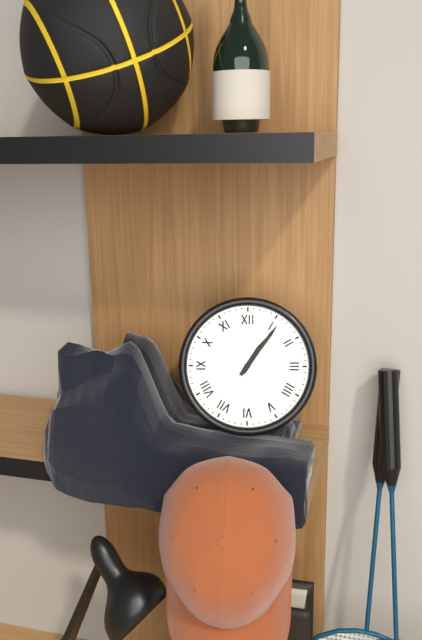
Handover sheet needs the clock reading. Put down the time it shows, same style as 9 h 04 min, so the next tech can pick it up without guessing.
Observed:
1 h 06 min
